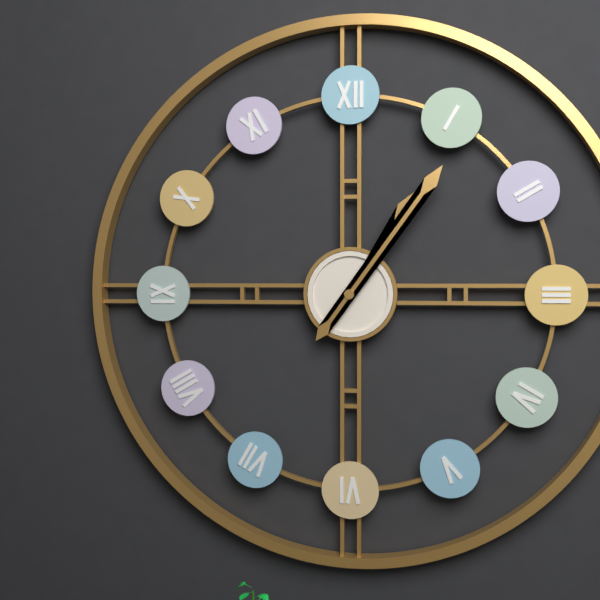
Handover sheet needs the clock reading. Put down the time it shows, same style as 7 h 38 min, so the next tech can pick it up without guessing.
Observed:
1 h 06 min
